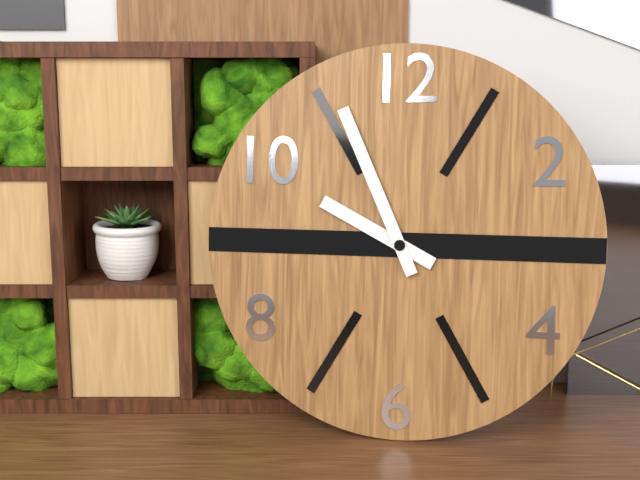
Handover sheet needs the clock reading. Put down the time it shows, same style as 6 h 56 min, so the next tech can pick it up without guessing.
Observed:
9 h 56 min
